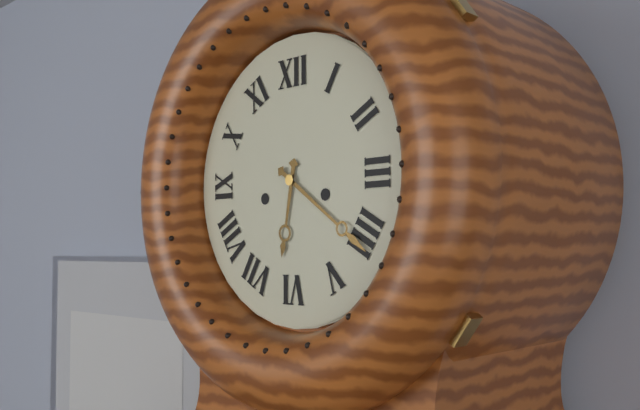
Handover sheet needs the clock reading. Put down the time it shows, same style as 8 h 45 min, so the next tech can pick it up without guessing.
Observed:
6 h 21 min
